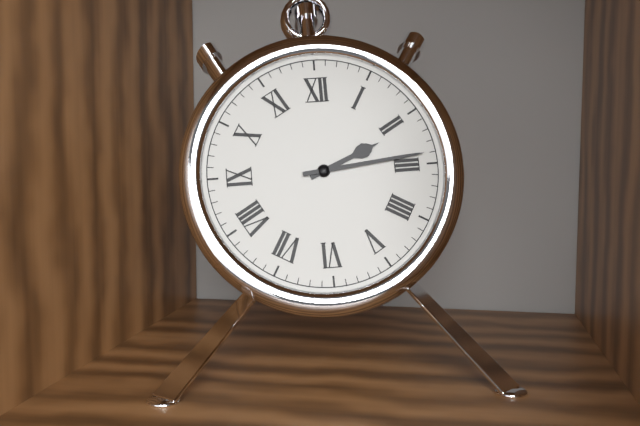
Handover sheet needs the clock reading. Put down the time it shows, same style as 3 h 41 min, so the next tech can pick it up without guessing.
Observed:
2 h 14 min
